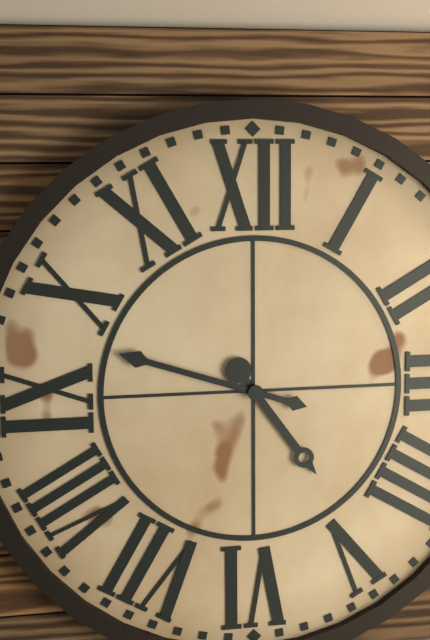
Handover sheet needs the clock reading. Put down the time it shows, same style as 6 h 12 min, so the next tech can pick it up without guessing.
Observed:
4 h 48 min
